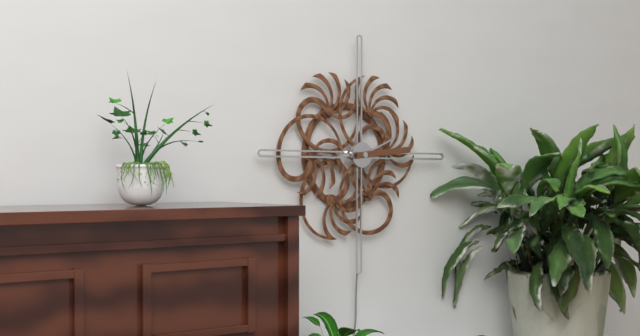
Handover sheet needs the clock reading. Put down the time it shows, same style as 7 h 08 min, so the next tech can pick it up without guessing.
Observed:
2 h 14 min
